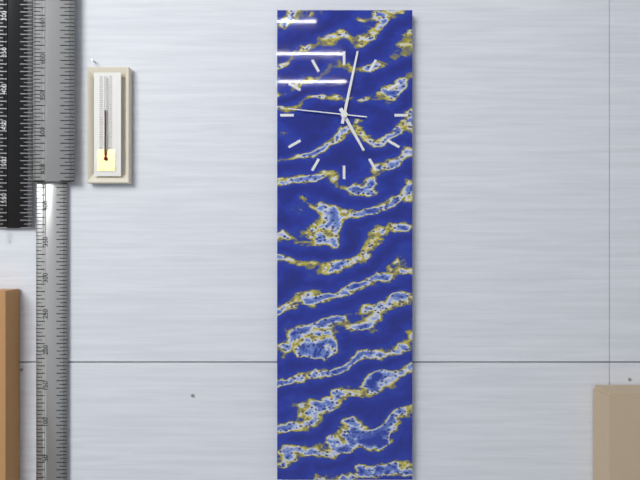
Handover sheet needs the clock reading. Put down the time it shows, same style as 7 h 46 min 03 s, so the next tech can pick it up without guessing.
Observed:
5 h 02 min 46 s
